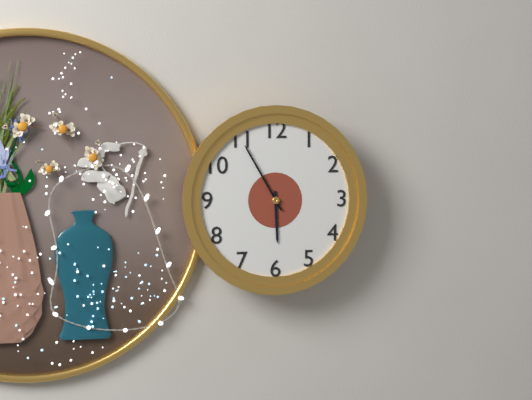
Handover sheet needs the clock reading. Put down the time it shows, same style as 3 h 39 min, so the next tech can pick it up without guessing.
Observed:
5 h 55 min
